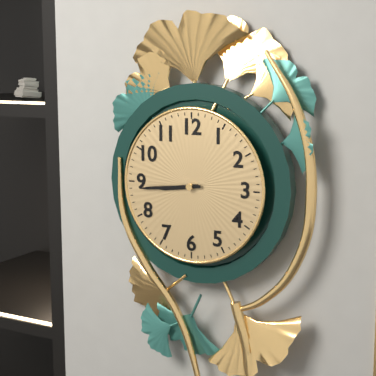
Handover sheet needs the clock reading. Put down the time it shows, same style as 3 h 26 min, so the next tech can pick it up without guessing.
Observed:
8 h 44 min
